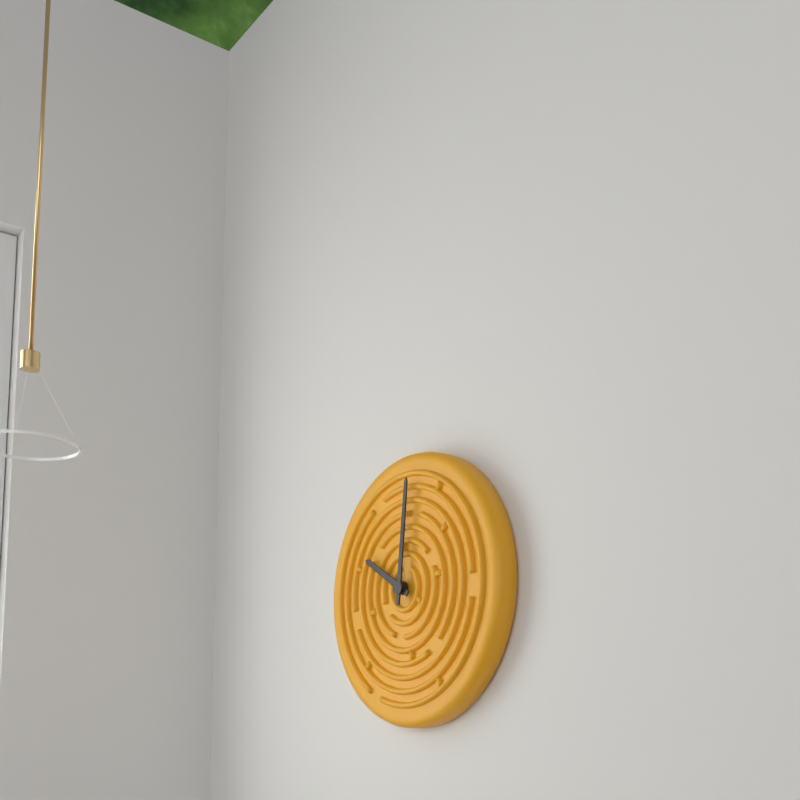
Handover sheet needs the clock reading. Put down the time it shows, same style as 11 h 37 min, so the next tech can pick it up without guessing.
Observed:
10 h 01 min
